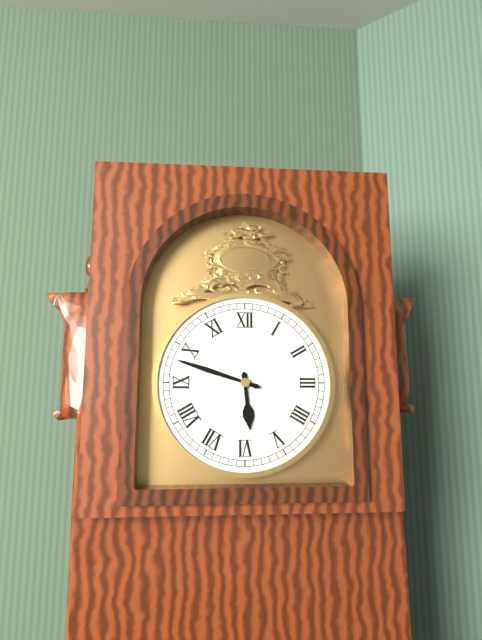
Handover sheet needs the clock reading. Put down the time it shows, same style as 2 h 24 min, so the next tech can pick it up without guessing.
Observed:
5 h 48 min
